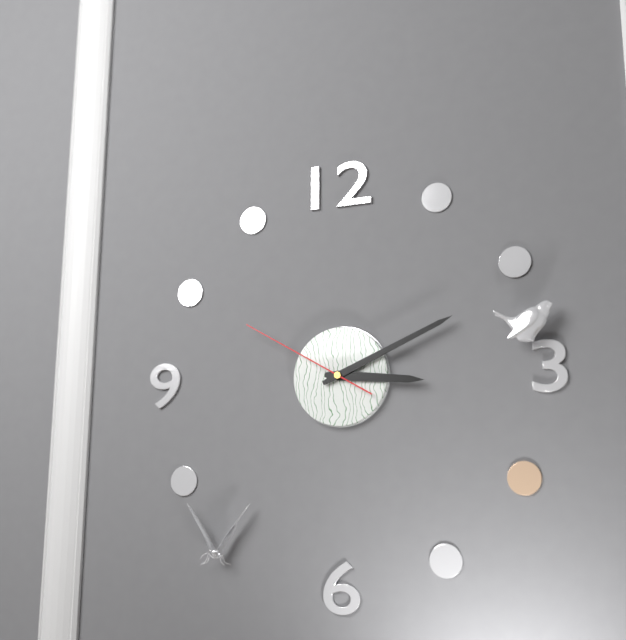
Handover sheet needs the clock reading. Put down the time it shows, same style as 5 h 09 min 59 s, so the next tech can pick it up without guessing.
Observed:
3 h 11 min 50 s
